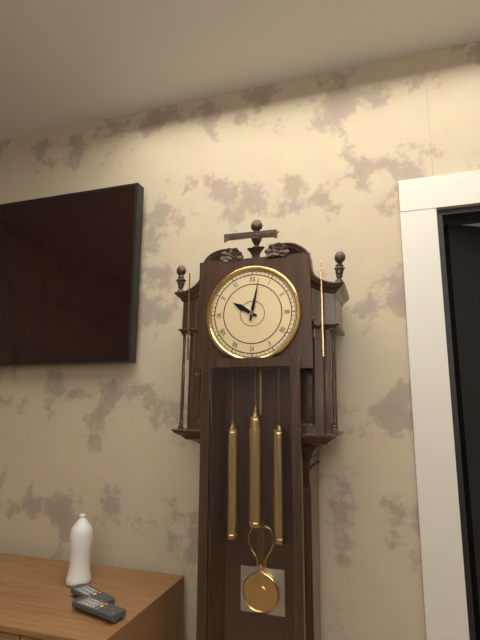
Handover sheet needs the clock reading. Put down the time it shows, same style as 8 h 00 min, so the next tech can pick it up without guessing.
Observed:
10 h 02 min
